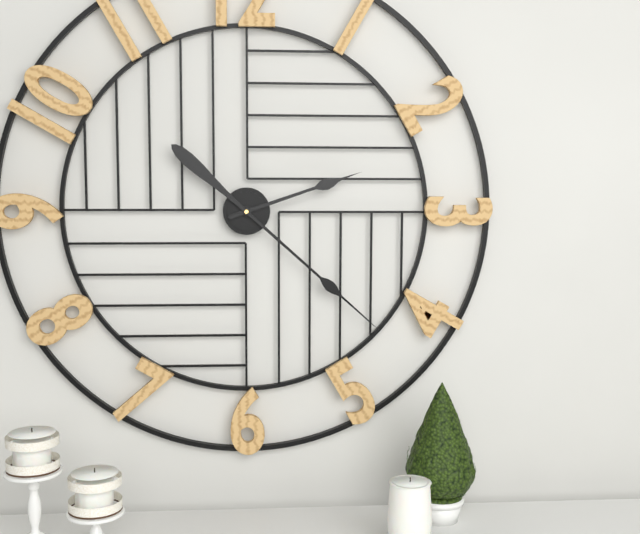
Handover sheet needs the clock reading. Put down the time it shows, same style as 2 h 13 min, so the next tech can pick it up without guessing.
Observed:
2 h 22 min
